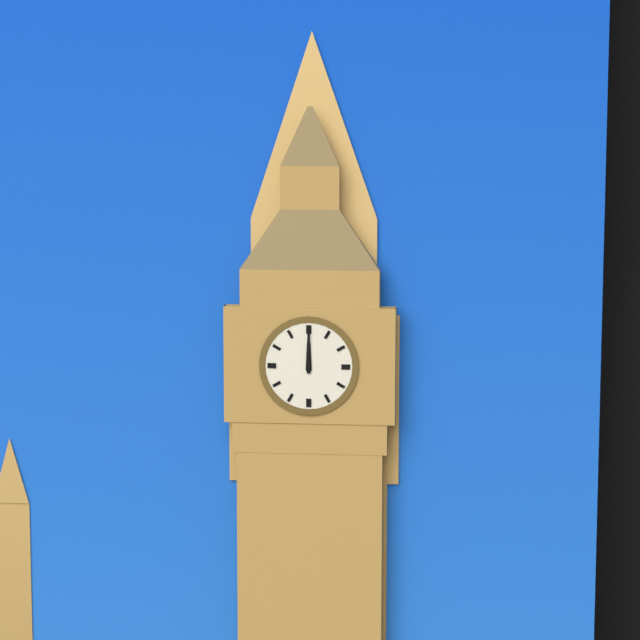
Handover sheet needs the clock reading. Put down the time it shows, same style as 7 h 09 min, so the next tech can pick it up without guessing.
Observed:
12 h 00 min
